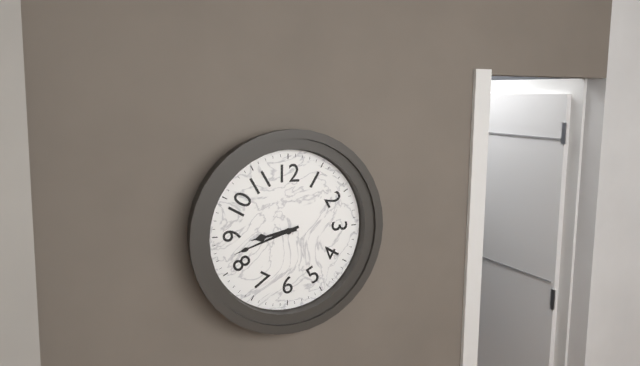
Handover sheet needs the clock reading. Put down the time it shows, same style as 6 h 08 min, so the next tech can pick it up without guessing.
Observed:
8 h 42 min
